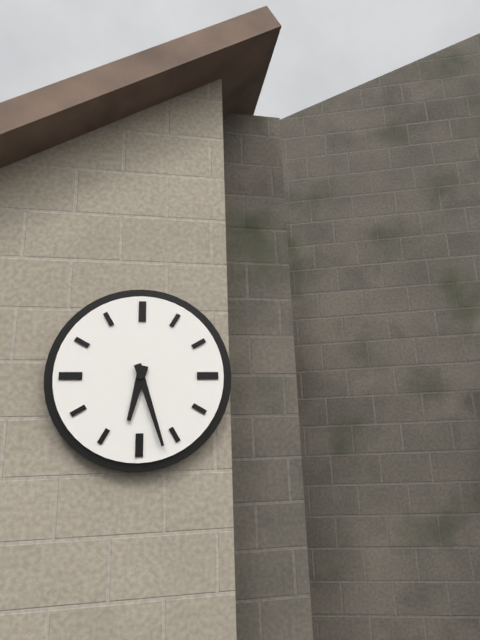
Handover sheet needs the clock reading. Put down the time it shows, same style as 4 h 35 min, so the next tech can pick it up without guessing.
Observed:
6 h 27 min
